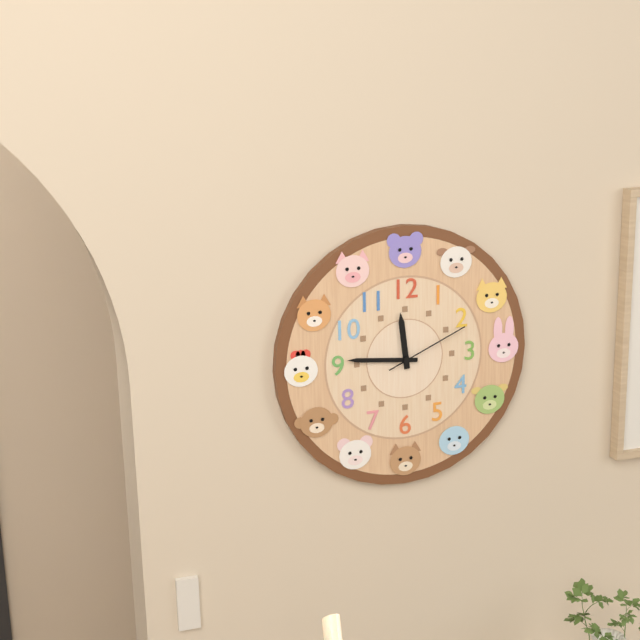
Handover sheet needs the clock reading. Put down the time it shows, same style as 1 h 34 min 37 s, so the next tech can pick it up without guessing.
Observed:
11 h 46 min 11 s
